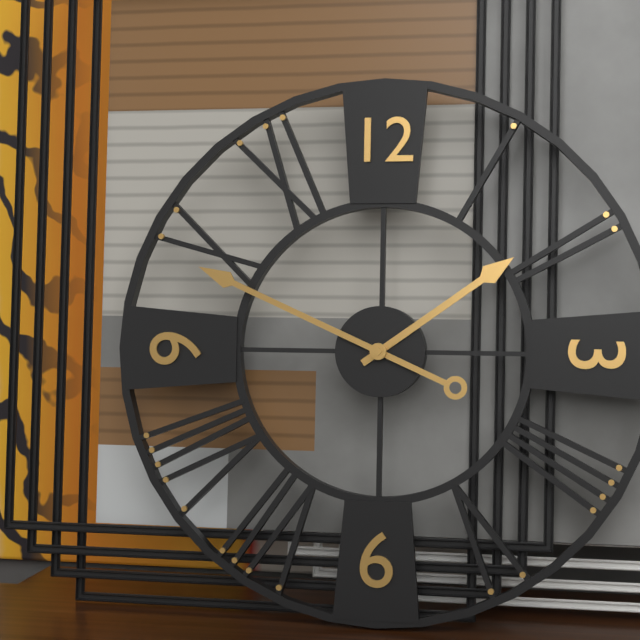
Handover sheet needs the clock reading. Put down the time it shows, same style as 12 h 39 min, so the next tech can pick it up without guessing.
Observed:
1 h 49 min
